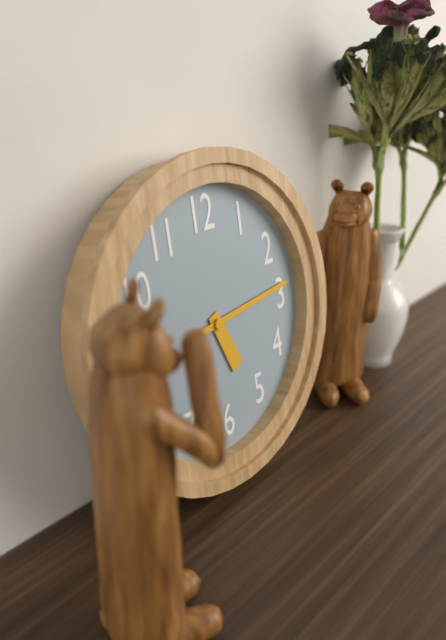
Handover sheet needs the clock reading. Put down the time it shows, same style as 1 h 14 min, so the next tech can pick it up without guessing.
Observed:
5 h 14 min
